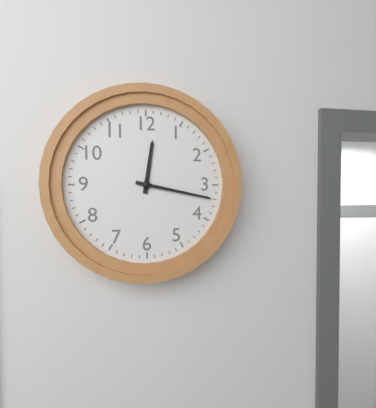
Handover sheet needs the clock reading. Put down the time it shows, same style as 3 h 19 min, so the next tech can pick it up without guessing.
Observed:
12 h 17 min
